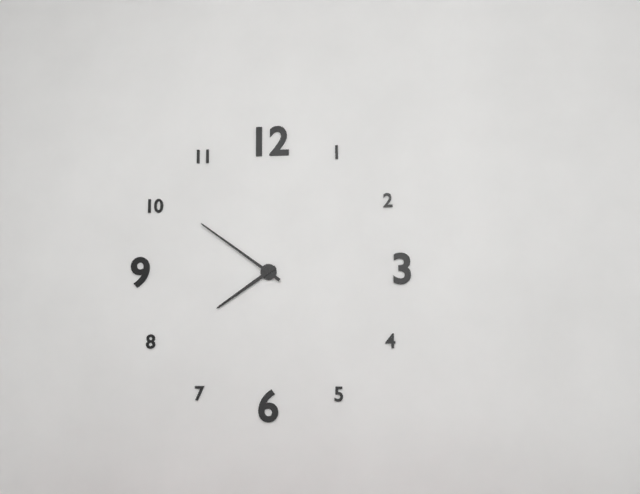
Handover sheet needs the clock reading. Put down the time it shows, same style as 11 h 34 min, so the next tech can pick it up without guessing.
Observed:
7 h 51 min
